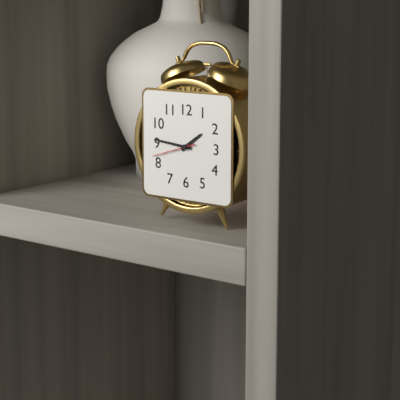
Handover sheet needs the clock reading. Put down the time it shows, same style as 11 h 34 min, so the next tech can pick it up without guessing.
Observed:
1 h 46 min
